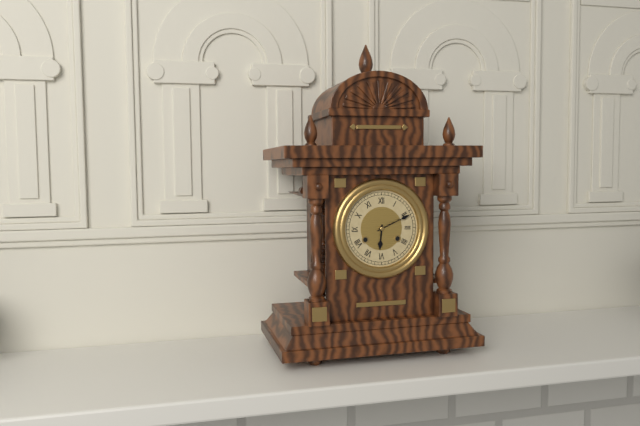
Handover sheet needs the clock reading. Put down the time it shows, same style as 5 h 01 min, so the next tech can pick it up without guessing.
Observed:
6 h 11 min
